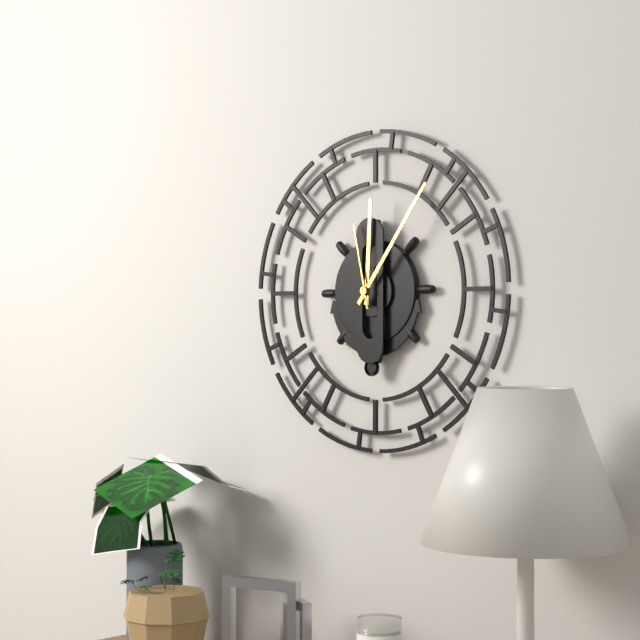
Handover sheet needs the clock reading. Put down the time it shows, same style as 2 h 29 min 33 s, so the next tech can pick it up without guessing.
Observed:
12 h 06 min 58 s
